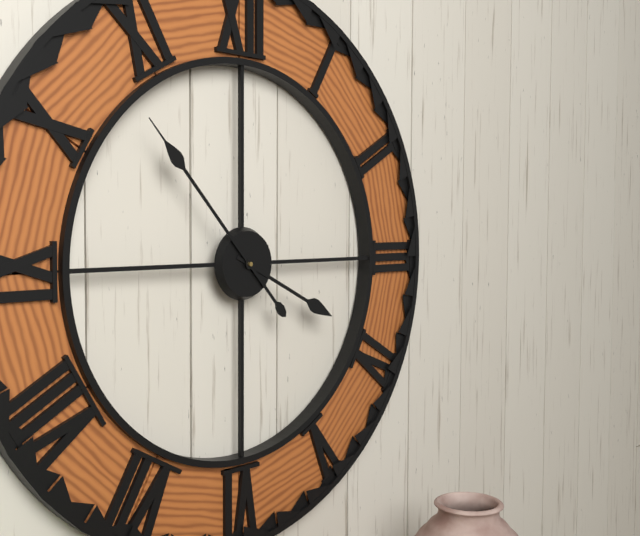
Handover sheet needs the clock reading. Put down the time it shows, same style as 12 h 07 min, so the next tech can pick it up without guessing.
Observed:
3 h 53 min
